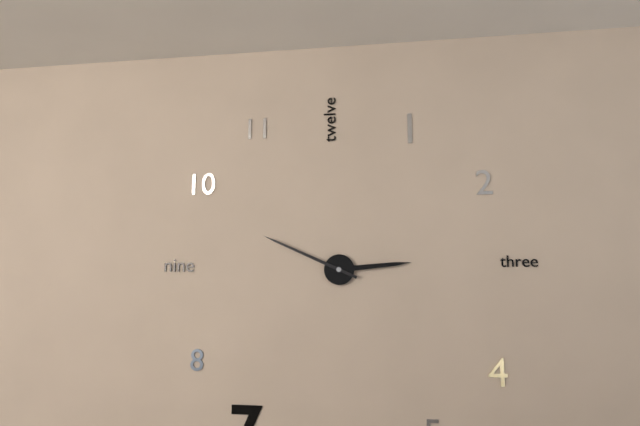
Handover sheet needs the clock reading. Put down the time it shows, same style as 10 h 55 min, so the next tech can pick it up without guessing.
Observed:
2 h 49 min
